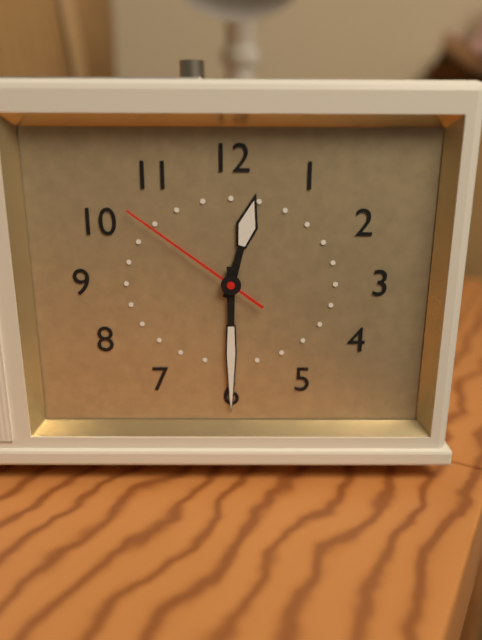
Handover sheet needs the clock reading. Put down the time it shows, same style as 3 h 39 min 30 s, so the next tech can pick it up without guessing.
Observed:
12 h 30 min 51 s
